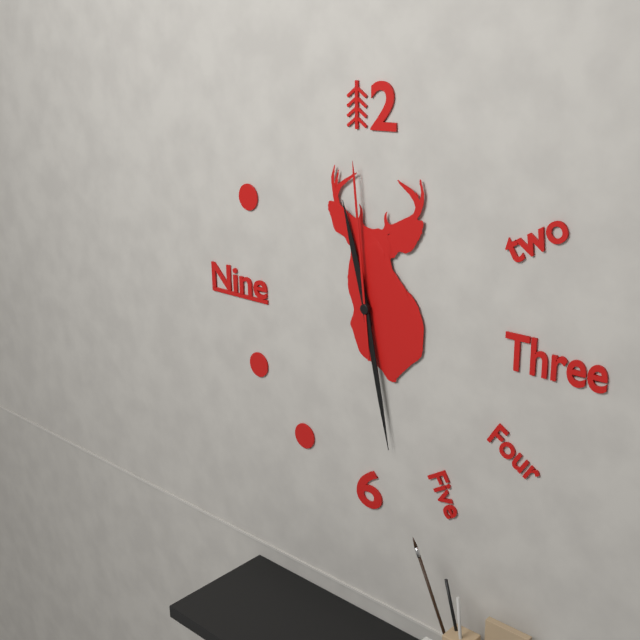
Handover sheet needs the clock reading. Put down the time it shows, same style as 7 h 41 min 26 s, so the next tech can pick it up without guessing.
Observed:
11 h 28 min 59 s
